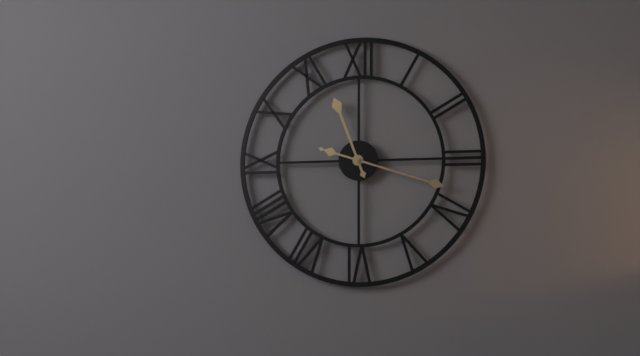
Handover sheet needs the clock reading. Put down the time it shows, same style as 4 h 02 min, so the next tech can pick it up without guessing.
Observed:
11 h 18 min
